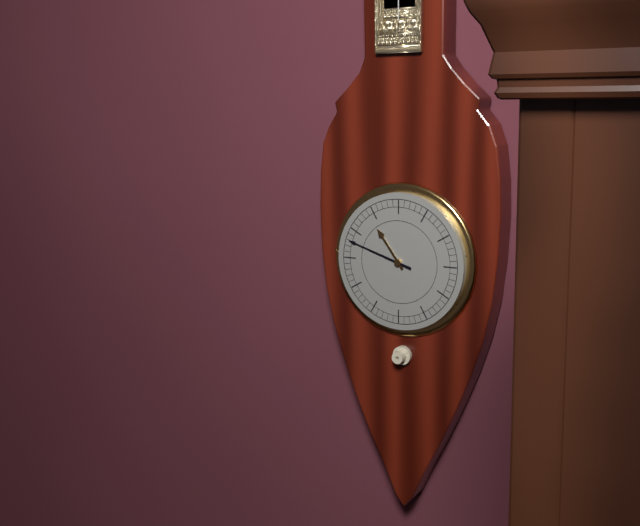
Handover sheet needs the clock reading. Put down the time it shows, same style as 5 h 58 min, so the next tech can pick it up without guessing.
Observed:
10 h 48 min
